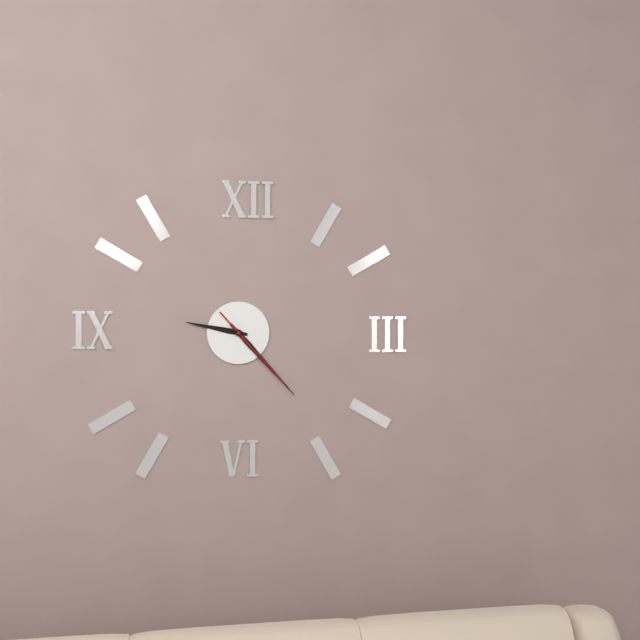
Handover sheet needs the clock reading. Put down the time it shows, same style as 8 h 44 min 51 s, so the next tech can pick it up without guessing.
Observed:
9 h 23 min 23 s
